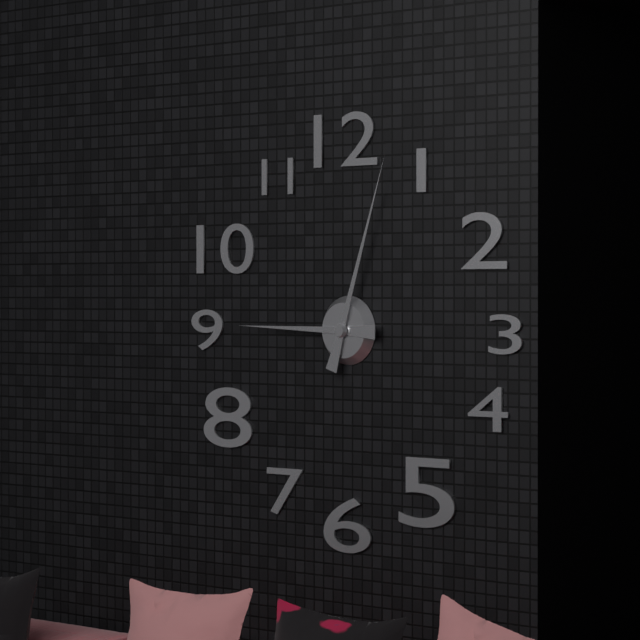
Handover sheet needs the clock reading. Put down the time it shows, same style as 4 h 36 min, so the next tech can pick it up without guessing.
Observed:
9 h 03 min
